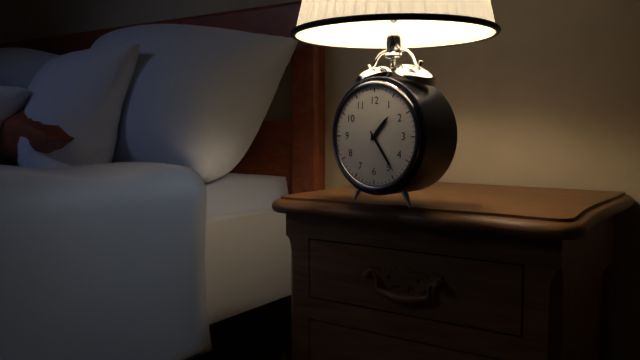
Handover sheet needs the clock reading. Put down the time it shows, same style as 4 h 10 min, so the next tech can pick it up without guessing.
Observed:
1 h 24 min
